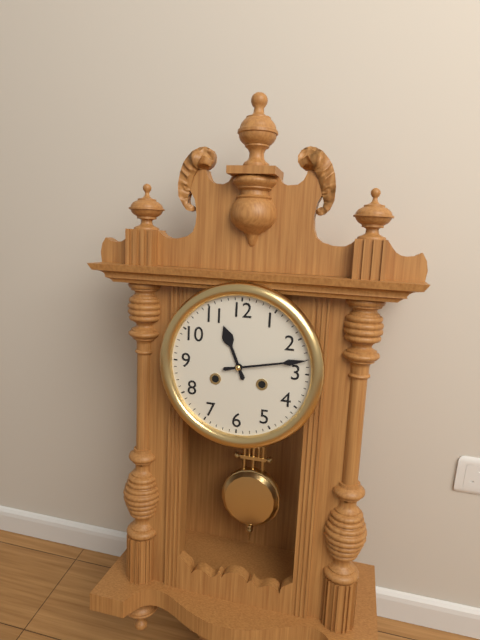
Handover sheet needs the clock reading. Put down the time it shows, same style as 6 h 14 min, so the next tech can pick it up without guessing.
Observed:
11 h 13 min
